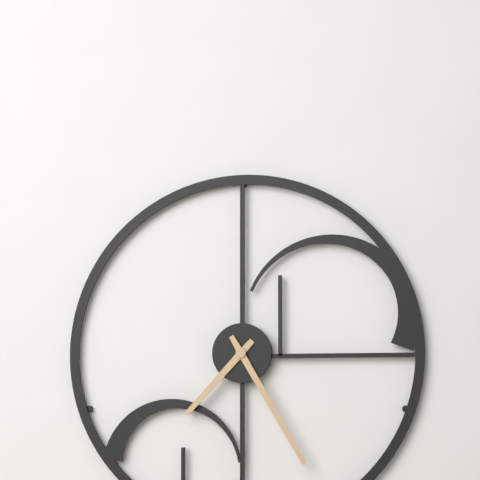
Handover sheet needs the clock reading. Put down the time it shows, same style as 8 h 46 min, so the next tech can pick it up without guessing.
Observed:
7 h 25 min
